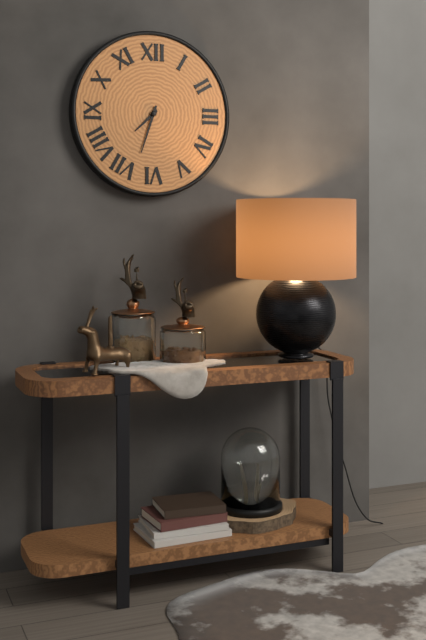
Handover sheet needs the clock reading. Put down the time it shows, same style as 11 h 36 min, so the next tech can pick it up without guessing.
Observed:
7 h 33 min
